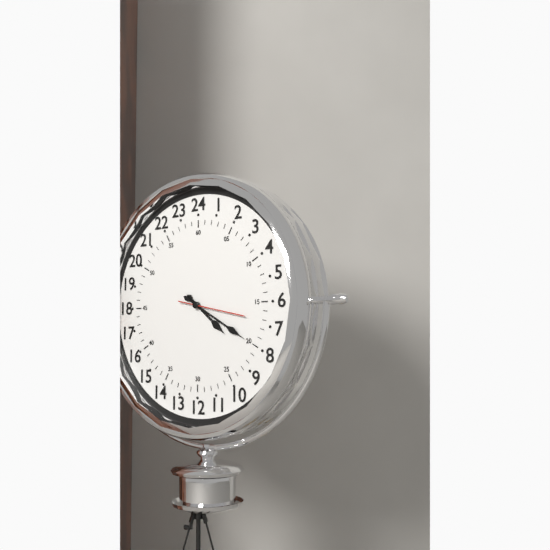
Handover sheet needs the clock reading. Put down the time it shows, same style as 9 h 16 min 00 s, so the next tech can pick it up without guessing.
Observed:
4 h 20 min 17 s
